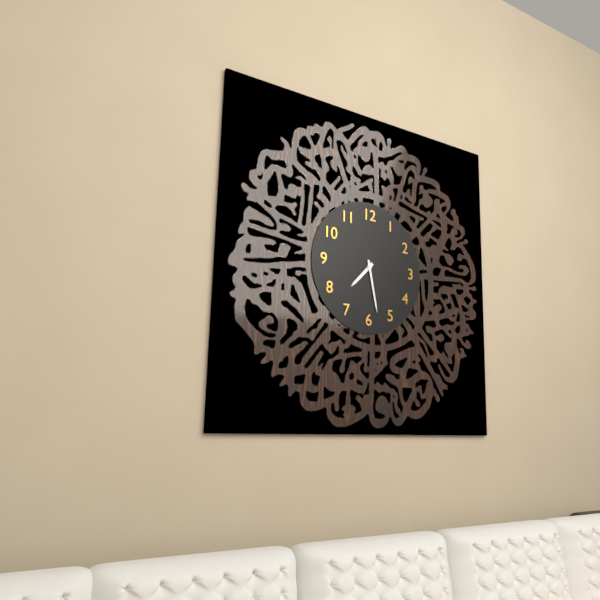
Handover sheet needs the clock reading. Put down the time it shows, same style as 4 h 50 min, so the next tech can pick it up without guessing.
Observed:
7 h 28 min
